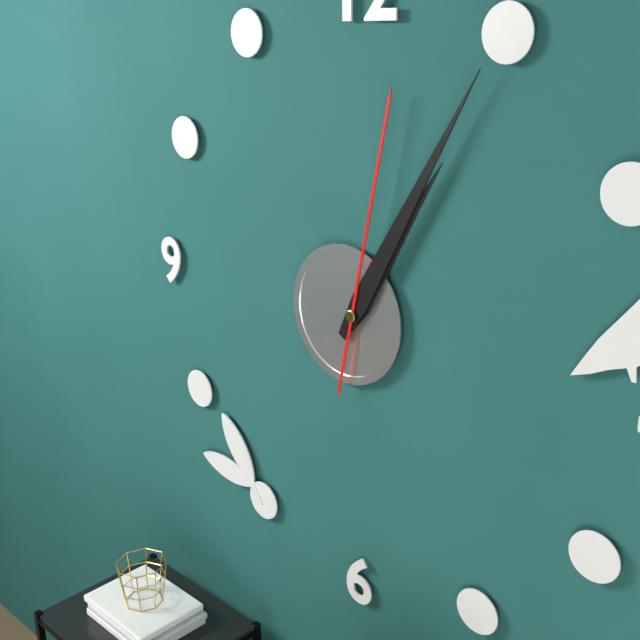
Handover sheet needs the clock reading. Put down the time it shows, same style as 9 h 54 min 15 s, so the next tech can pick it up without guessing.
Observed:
1 h 05 min 02 s
